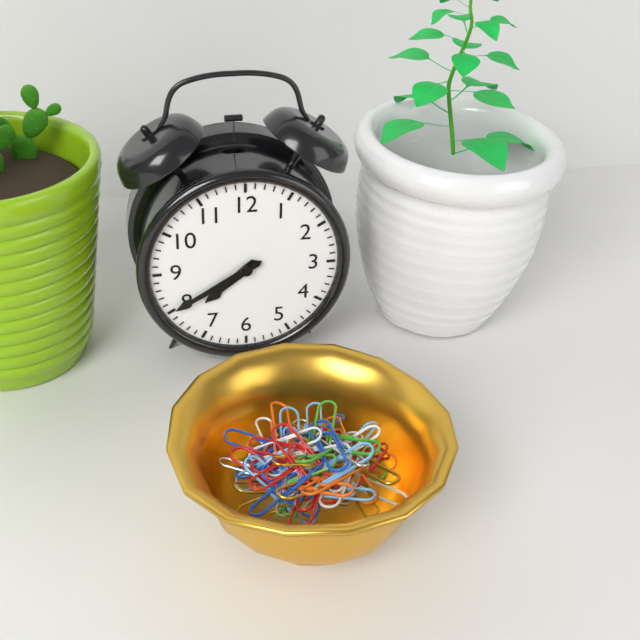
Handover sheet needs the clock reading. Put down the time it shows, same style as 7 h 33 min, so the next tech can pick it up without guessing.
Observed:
7 h 40 min
